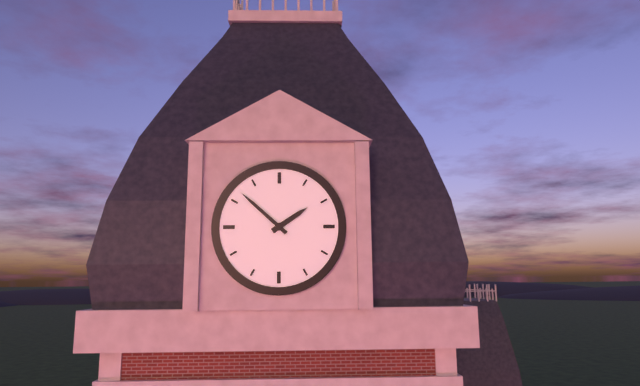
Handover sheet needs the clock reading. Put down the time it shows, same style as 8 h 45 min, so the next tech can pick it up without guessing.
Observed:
1 h 52 min
